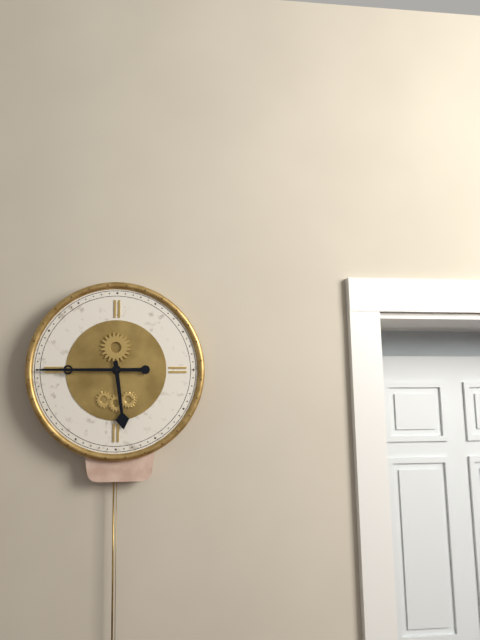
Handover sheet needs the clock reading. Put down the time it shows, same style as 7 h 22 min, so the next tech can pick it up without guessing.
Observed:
5 h 45 min
